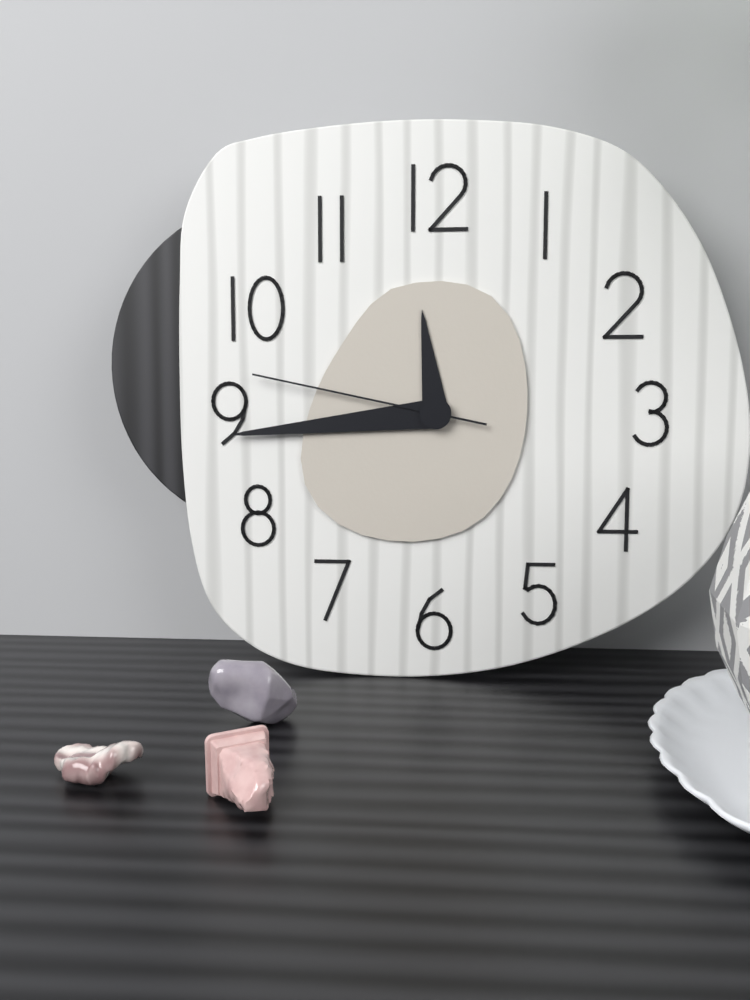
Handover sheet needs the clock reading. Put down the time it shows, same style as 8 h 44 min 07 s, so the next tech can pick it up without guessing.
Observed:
11 h 44 min 47 s
